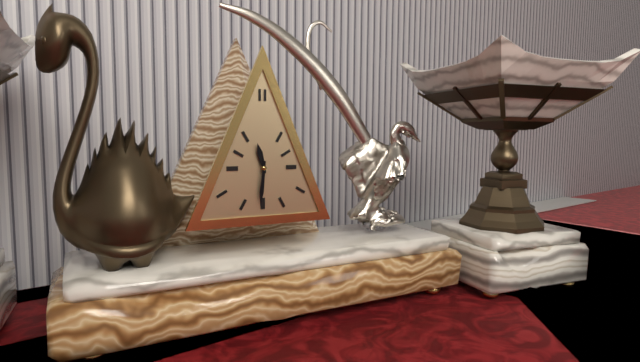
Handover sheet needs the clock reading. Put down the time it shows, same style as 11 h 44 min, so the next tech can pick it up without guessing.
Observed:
11 h 31 min
